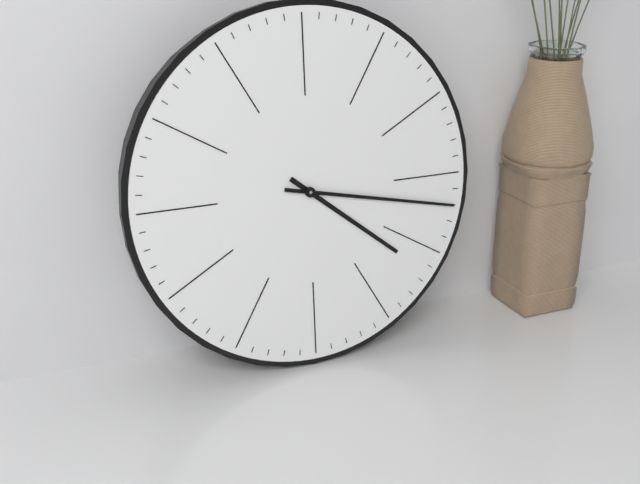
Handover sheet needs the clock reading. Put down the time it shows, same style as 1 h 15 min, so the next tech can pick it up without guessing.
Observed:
4 h 17 min
